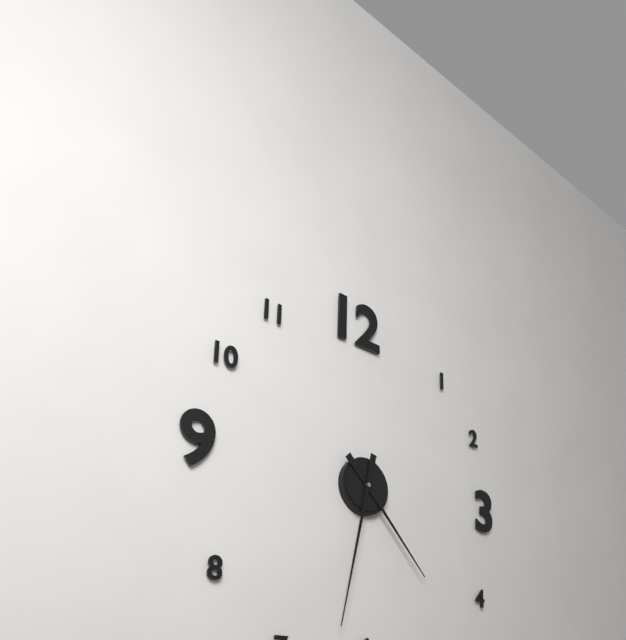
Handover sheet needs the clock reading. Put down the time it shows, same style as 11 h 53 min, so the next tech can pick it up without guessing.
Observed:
4 h 32 min
